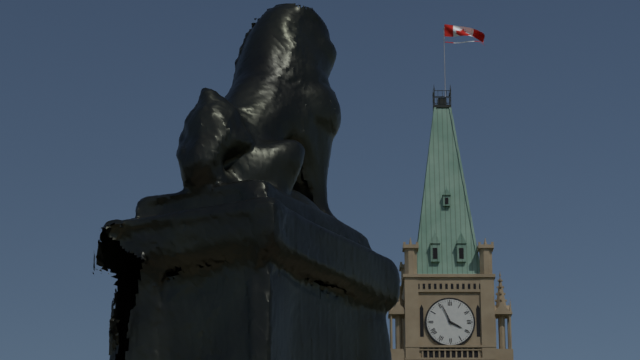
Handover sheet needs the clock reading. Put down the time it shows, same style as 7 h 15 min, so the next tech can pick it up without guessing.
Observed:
3 h 56 min
